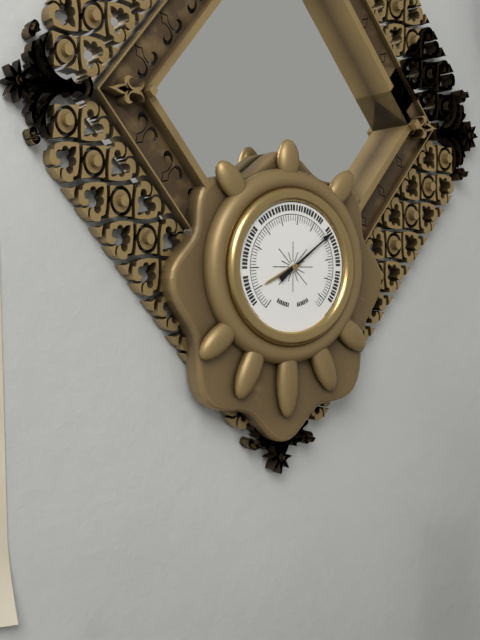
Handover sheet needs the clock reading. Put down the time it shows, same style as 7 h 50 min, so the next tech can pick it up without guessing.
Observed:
8 h 09 min
